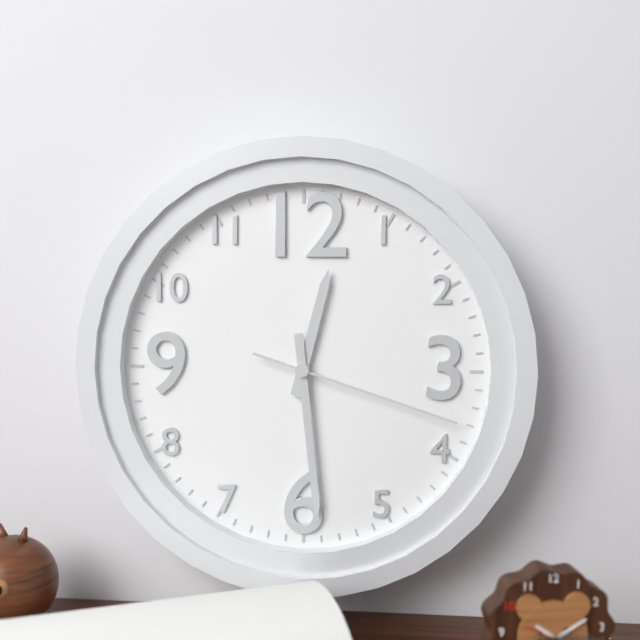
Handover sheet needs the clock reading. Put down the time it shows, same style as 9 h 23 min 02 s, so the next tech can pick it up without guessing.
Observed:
12 h 29 min 18 s
